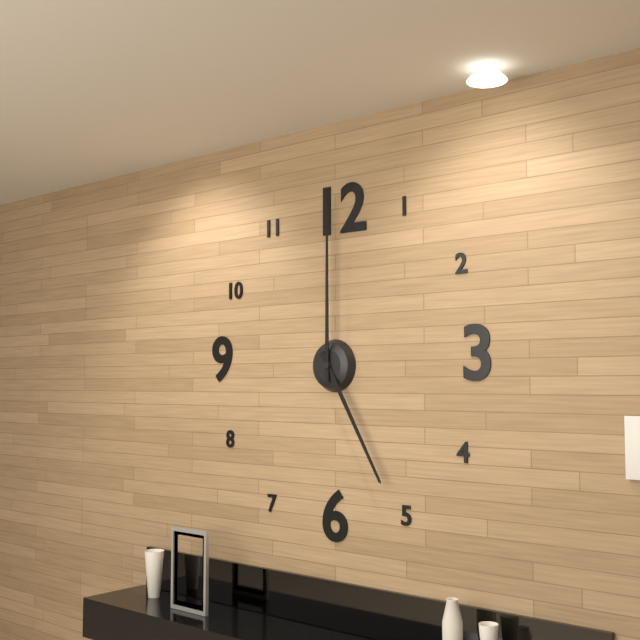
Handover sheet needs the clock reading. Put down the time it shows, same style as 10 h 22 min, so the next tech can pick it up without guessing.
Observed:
5 h 00 min
